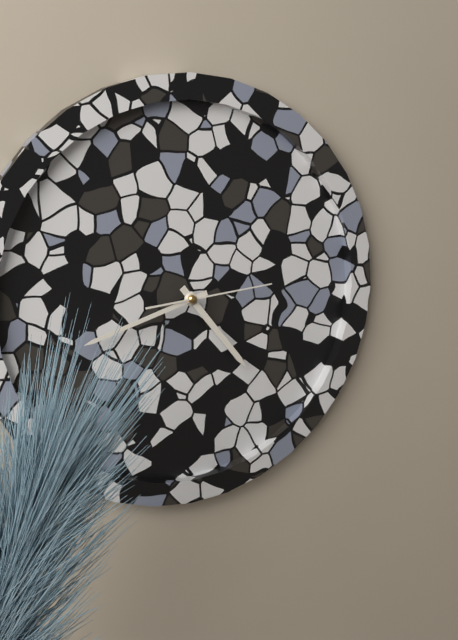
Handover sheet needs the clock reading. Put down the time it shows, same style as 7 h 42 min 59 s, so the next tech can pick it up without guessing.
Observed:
4 h 42 min 14 s
